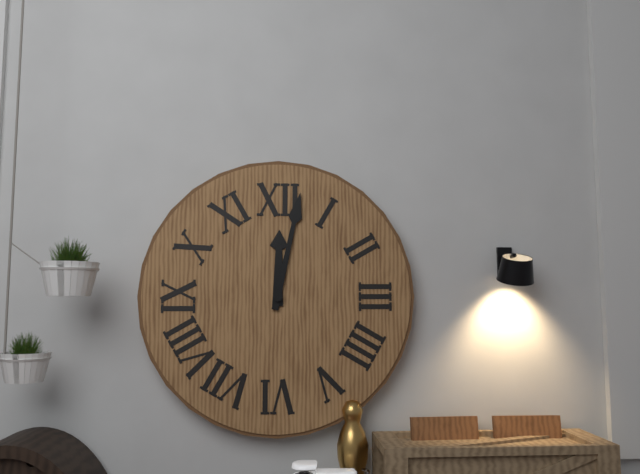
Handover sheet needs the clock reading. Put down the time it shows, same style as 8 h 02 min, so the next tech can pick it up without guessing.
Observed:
12 h 02 min
